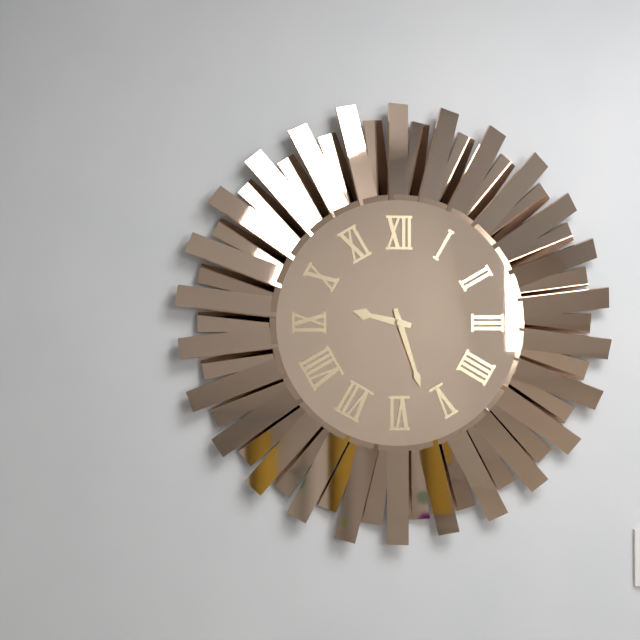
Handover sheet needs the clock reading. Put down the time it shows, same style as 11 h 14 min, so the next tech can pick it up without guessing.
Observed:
9 h 27 min
